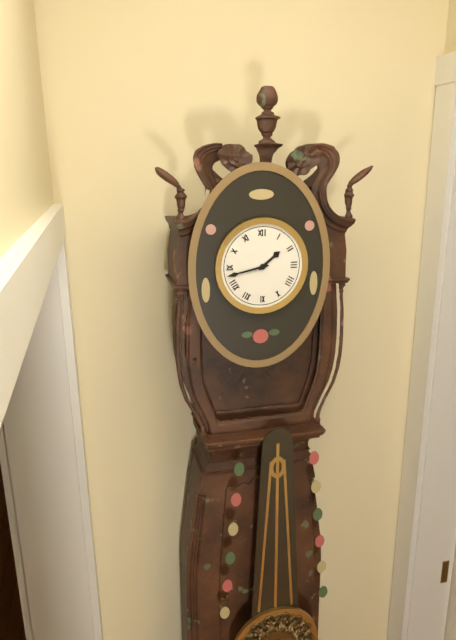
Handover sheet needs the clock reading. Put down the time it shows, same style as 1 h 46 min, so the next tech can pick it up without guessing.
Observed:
1 h 43 min
